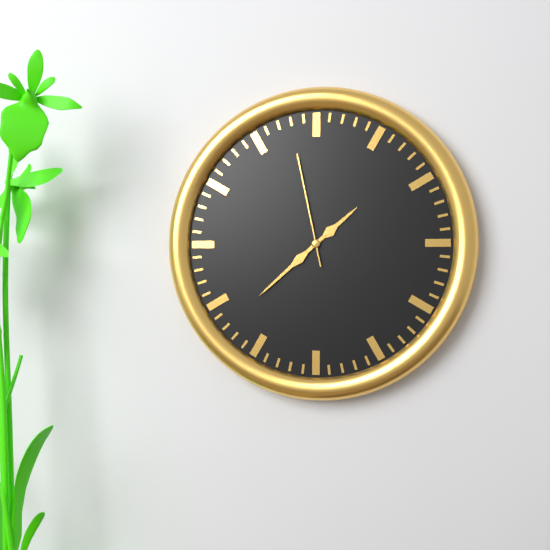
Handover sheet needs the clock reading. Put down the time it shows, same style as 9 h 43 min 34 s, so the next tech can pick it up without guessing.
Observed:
1 h 38 min 58 s
